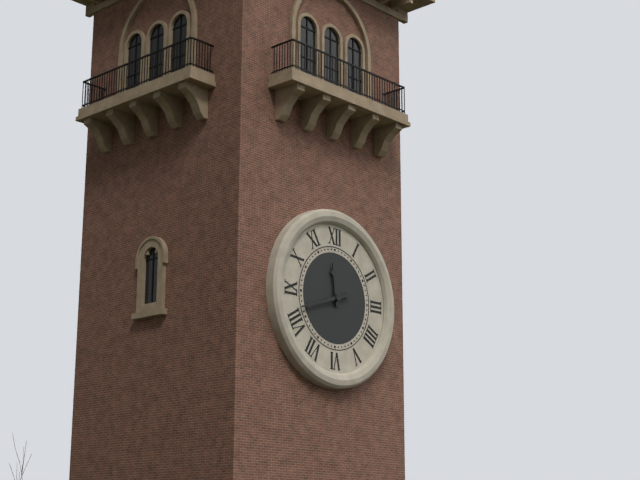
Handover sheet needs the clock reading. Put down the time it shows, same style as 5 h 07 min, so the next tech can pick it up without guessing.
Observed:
11 h 42 min
